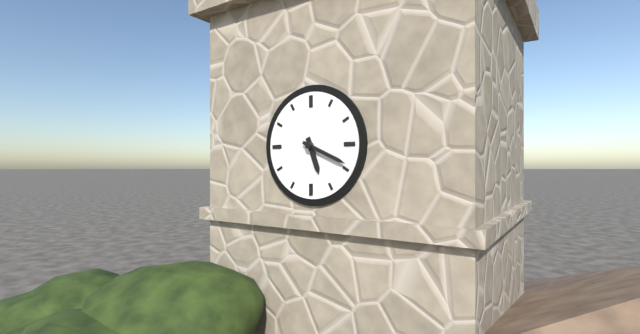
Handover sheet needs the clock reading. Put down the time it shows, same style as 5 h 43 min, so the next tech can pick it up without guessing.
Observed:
5 h 19 min
